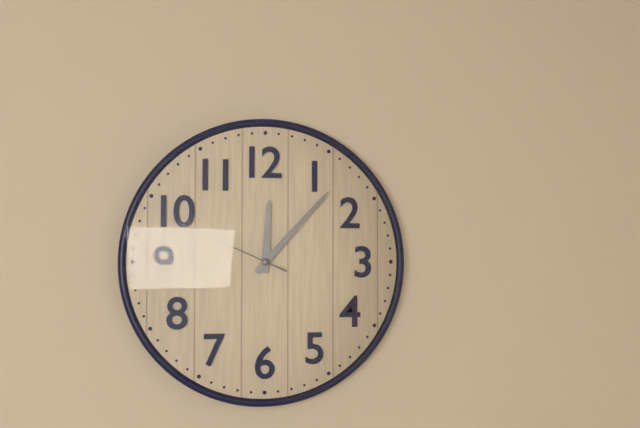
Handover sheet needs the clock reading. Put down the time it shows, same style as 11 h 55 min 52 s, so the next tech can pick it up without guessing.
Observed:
12 h 07 min 49 s
